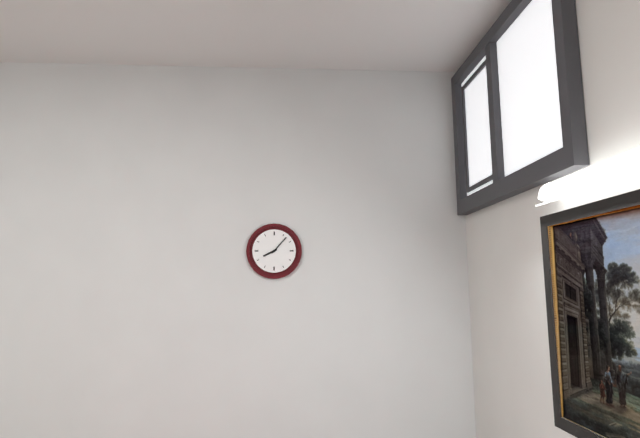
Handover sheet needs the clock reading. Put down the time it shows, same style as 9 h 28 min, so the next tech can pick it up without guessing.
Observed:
8 h 07 min
